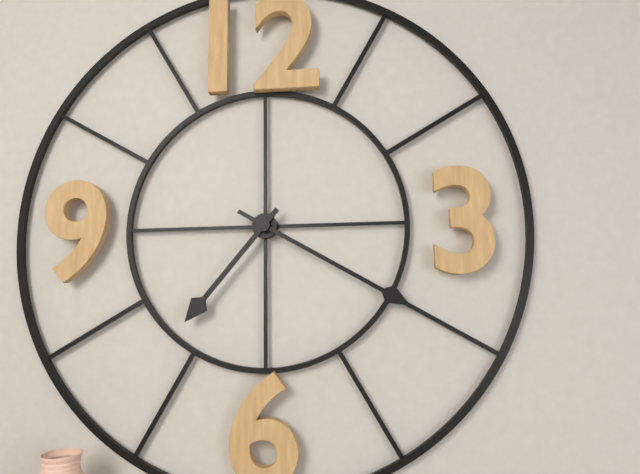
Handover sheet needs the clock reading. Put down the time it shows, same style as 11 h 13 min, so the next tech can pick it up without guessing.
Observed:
7 h 20 min
